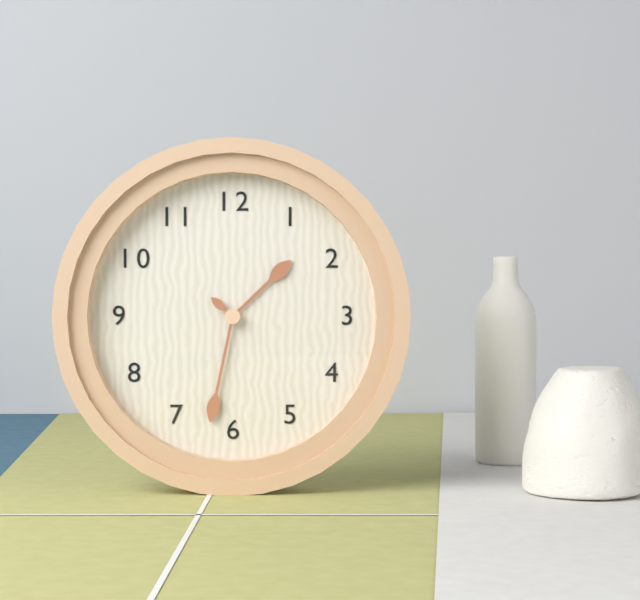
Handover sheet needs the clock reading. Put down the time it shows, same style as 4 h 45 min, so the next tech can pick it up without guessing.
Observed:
1 h 32 min
